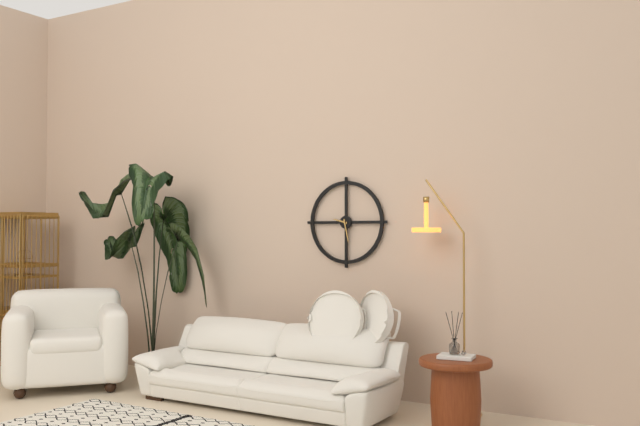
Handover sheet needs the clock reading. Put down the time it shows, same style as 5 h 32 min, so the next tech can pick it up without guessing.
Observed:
9 h 28 min
